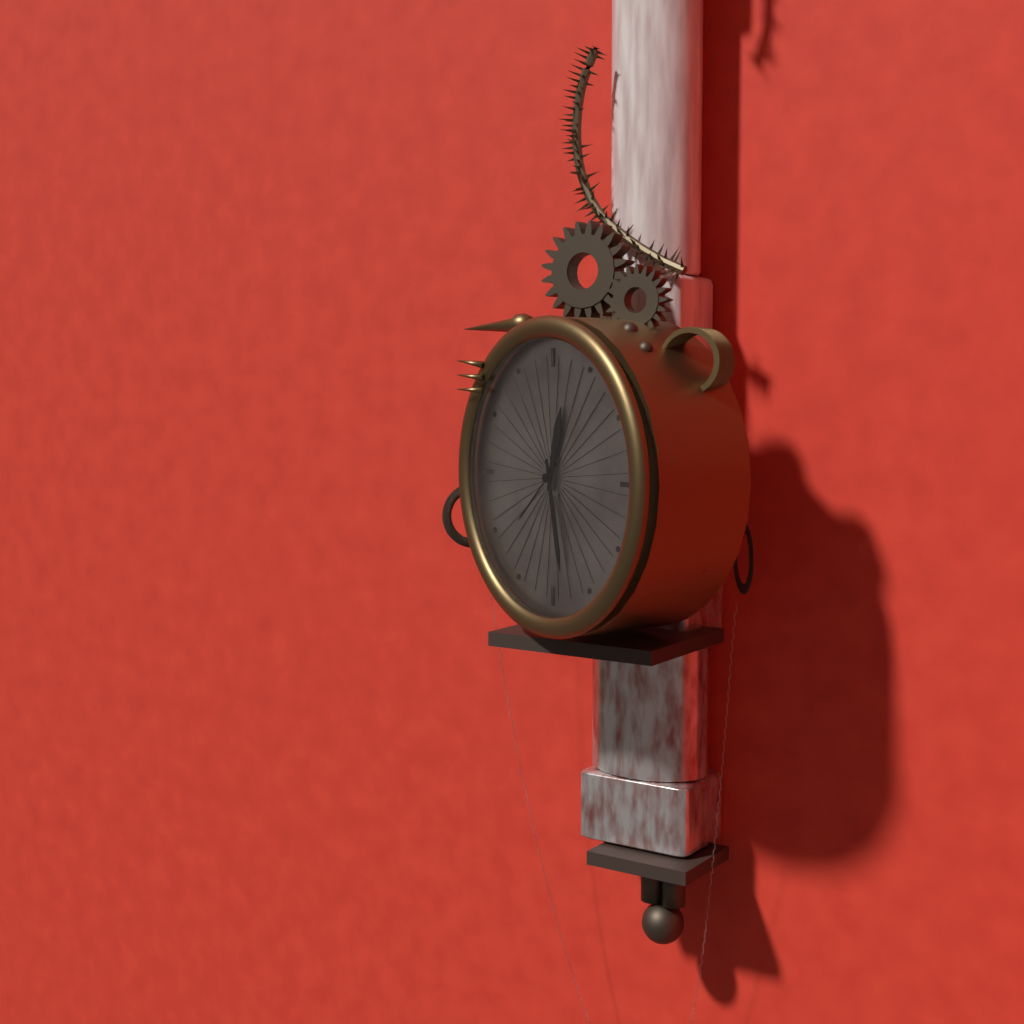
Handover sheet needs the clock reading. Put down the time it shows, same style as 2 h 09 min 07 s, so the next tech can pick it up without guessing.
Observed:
12 h 28 min 38 s
